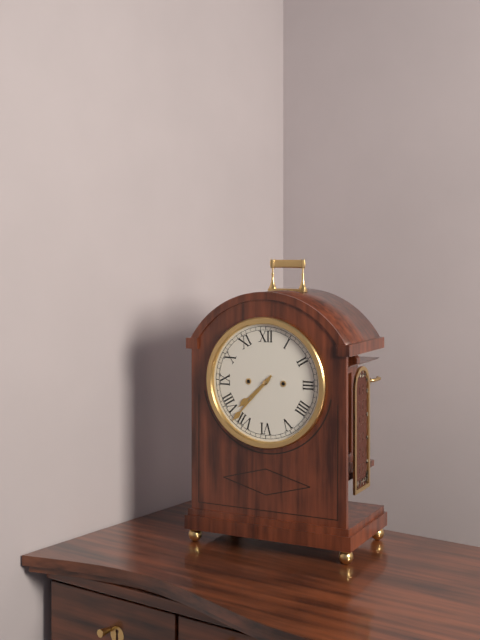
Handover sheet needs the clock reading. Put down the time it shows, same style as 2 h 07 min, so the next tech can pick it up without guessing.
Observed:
7 h 37 min
